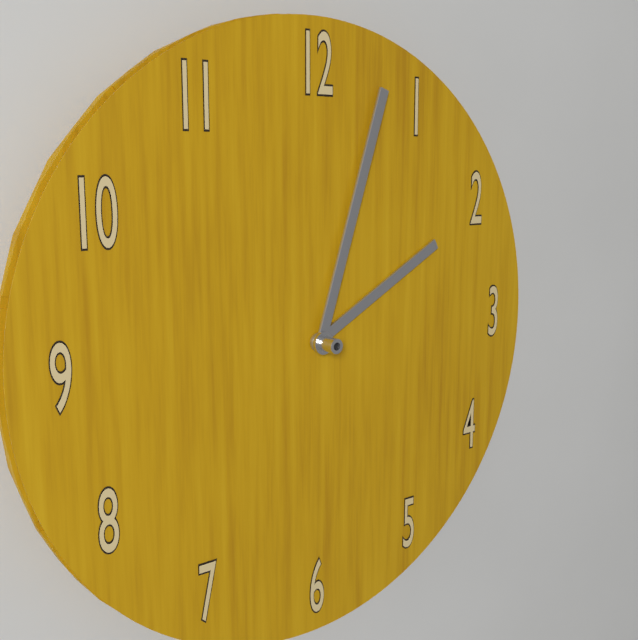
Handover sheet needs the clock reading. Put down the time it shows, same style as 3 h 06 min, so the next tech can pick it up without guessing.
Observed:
2 h 03 min
